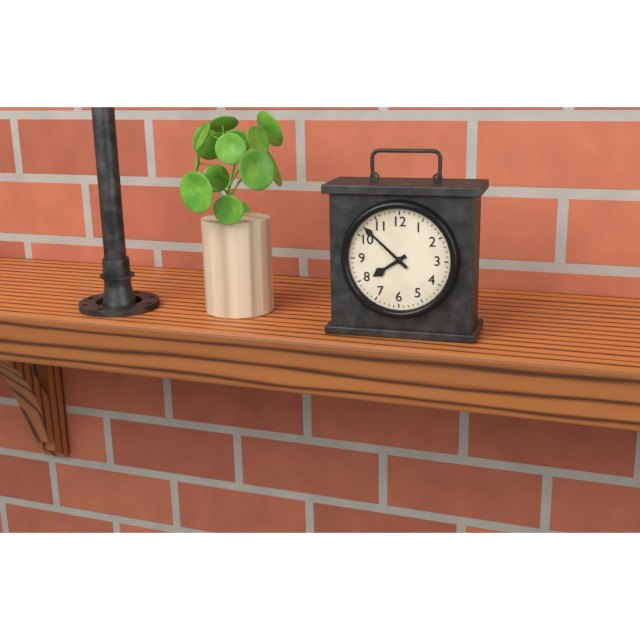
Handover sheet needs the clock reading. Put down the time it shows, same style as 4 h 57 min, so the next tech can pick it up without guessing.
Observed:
7 h 52 min
